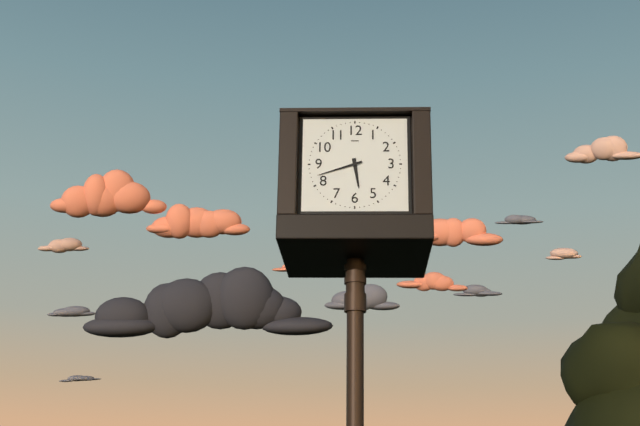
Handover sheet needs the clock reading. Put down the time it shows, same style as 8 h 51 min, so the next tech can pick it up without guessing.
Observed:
5 h 42 min
